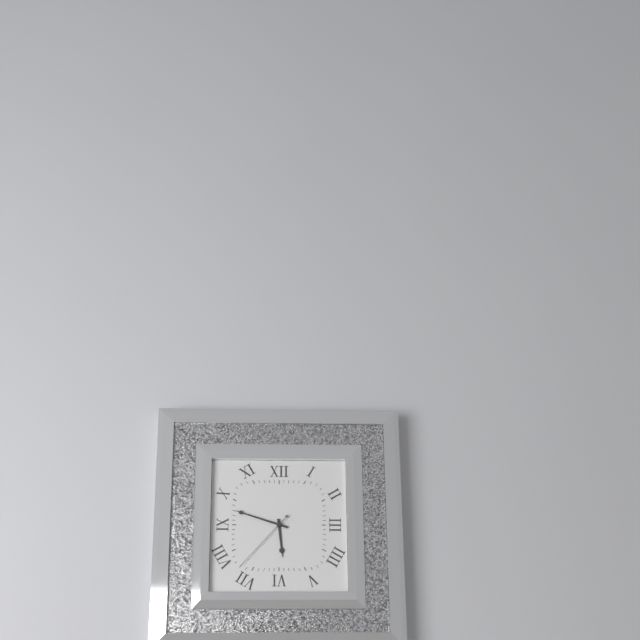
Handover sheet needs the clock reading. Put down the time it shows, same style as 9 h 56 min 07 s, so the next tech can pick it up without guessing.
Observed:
5 h 48 min 37 s
